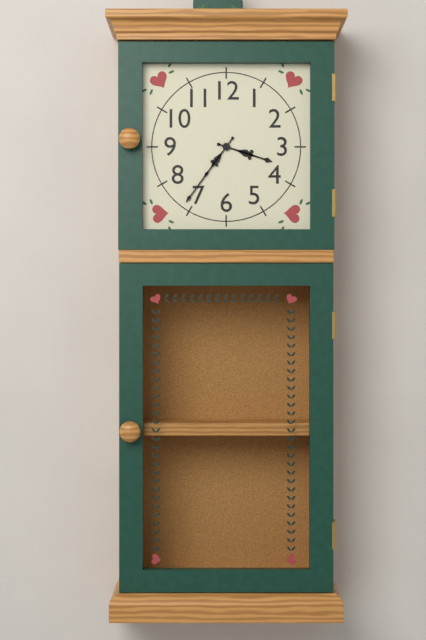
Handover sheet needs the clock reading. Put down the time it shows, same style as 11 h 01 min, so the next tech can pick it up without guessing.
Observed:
3 h 36 min
